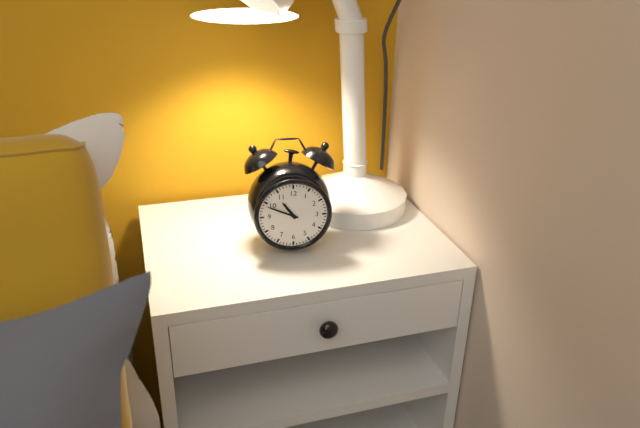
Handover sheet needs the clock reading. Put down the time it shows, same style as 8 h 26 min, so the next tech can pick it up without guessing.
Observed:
10 h 49 min
